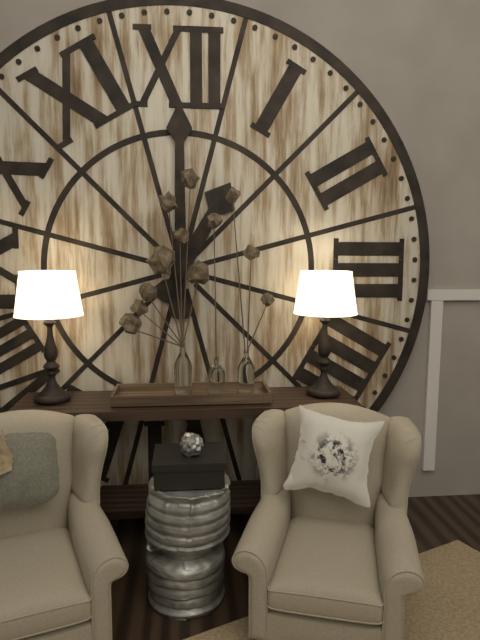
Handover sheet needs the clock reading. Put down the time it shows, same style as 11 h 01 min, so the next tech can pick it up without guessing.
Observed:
1 h 00 min
